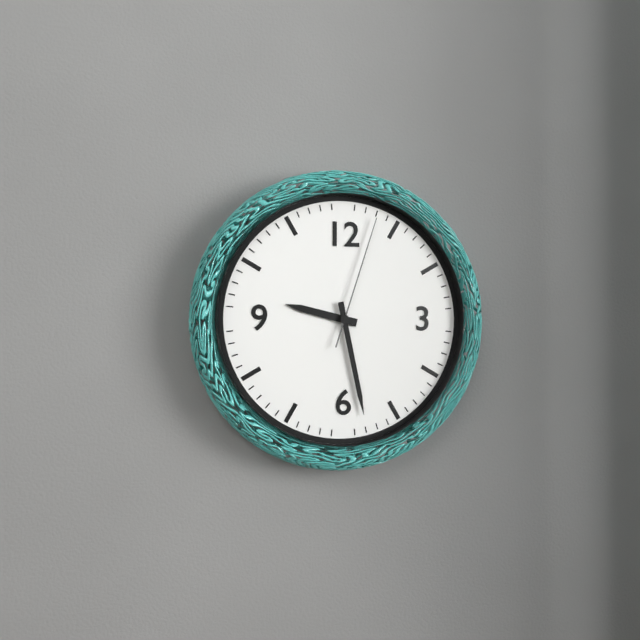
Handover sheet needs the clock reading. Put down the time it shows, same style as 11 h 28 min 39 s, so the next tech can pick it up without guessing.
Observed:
9 h 28 min 03 s
